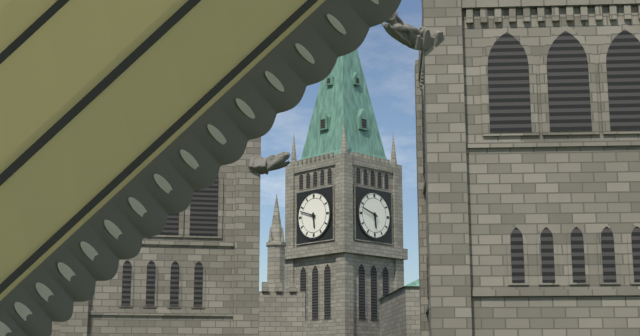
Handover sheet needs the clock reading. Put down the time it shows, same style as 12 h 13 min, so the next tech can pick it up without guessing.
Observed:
5 h 48 min
